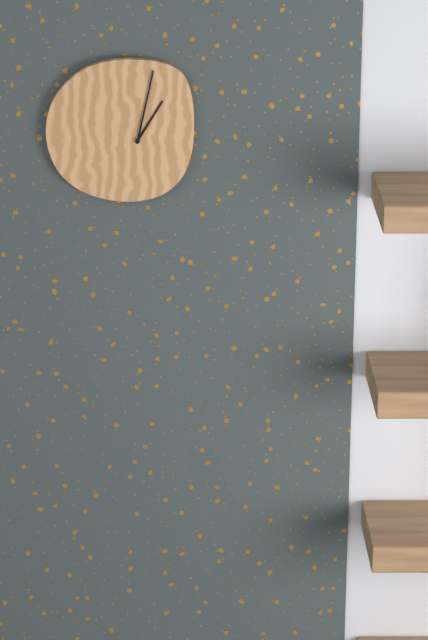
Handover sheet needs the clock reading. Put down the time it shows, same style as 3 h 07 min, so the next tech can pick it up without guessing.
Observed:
1 h 02 min
